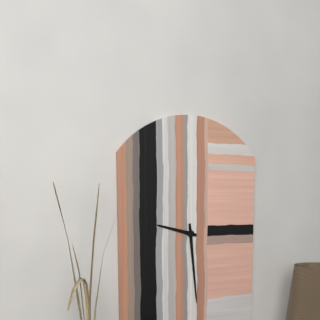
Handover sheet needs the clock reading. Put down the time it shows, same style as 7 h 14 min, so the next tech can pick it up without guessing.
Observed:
9 h 29 min
